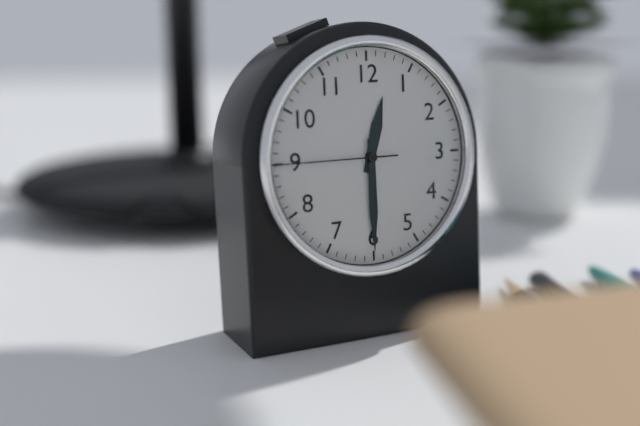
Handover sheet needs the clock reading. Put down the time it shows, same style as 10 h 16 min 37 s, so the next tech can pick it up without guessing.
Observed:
12 h 30 min 45 s
